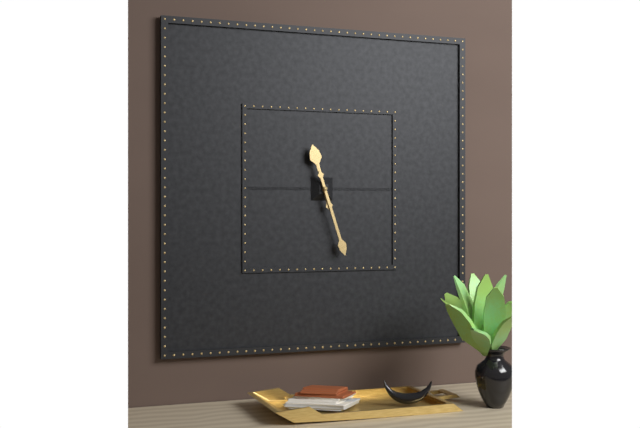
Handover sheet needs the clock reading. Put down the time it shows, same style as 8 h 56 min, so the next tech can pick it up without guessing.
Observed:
11 h 27 min
